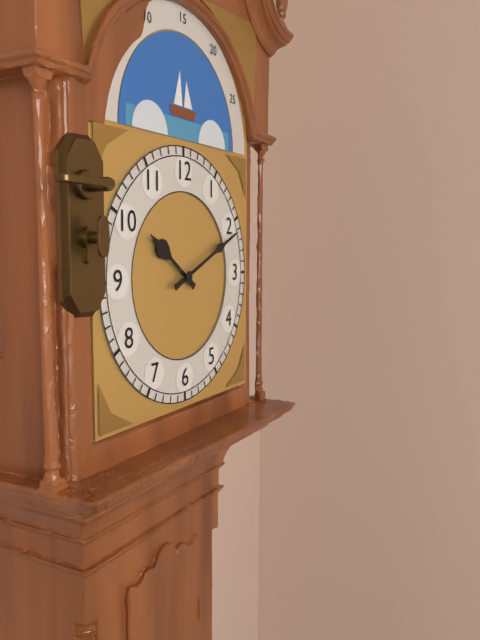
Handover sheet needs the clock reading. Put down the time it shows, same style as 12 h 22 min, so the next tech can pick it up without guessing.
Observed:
10 h 11 min
